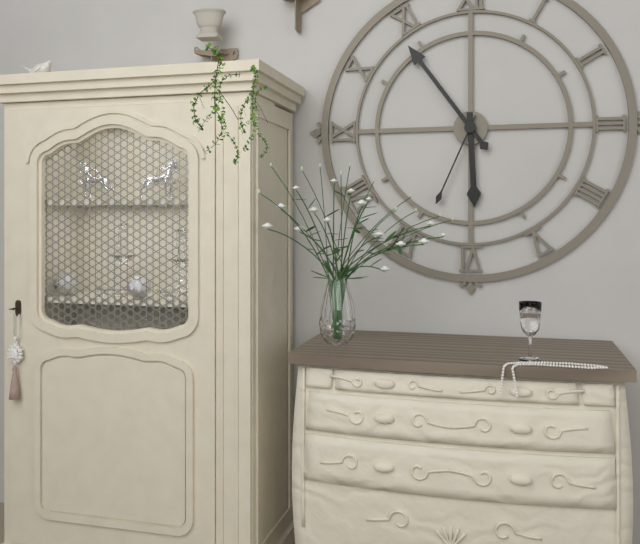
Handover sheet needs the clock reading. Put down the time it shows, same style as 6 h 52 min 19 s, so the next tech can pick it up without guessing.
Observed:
5 h 54 min 34 s
